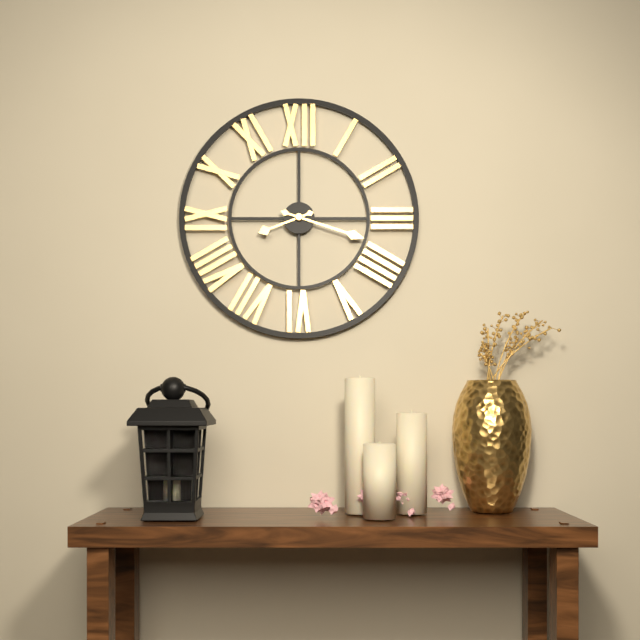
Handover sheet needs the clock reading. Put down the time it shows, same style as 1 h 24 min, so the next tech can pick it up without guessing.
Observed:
8 h 18 min
